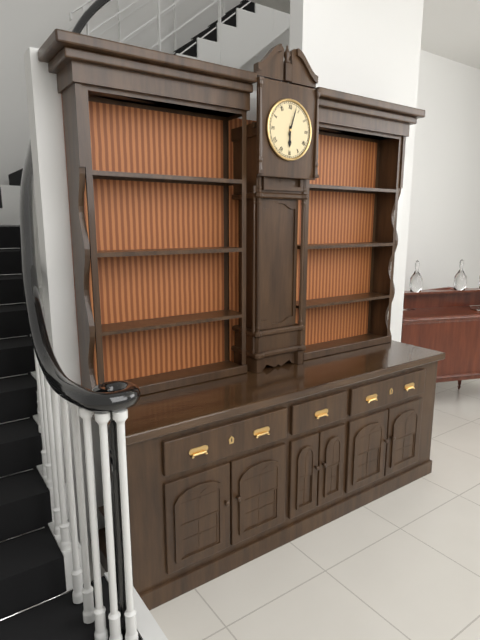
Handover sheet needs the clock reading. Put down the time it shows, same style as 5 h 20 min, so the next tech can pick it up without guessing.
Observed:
6 h 03 min
